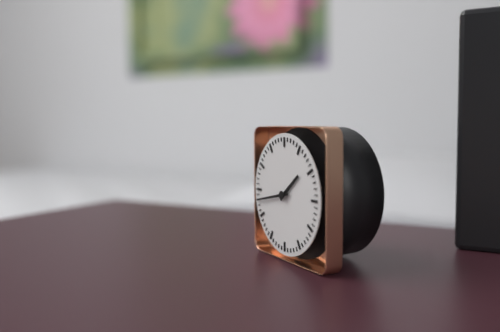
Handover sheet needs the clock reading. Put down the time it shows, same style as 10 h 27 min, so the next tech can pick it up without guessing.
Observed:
1 h 43 min
